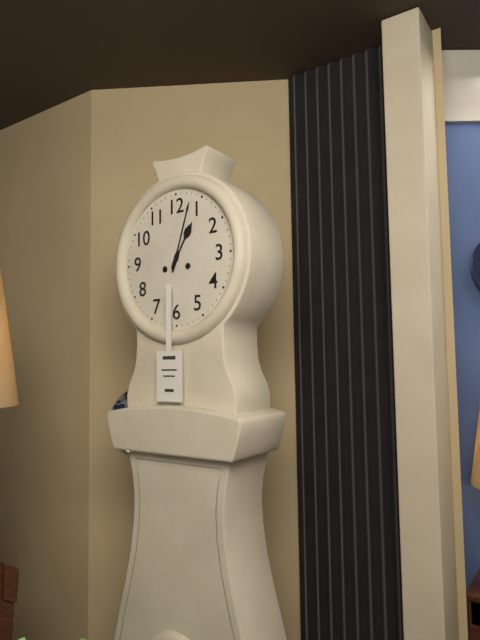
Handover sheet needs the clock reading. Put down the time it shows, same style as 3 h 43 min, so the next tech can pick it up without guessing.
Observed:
1 h 03 min
